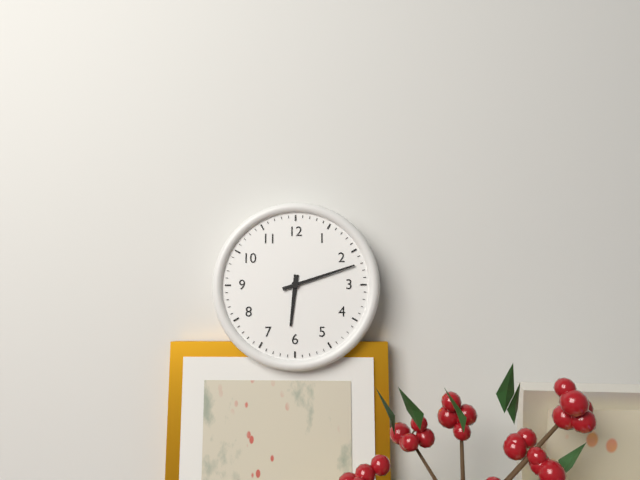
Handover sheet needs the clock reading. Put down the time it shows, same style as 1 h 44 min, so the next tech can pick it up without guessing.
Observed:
6 h 12 min
